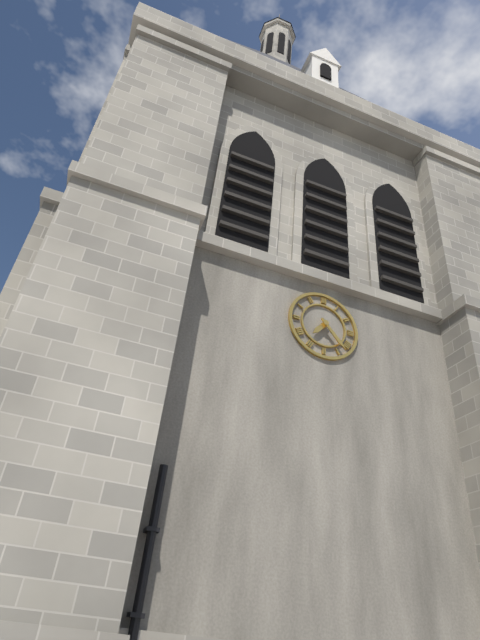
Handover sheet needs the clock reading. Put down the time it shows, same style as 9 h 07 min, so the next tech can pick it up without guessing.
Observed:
7 h 23 min
